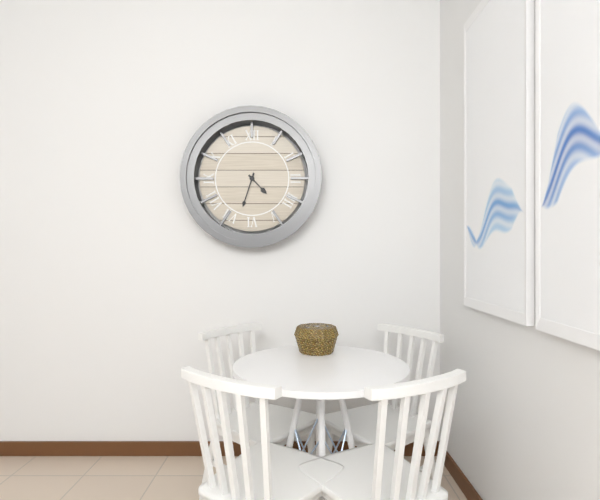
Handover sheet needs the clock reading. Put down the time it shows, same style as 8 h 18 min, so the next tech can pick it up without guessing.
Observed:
4 h 33 min
